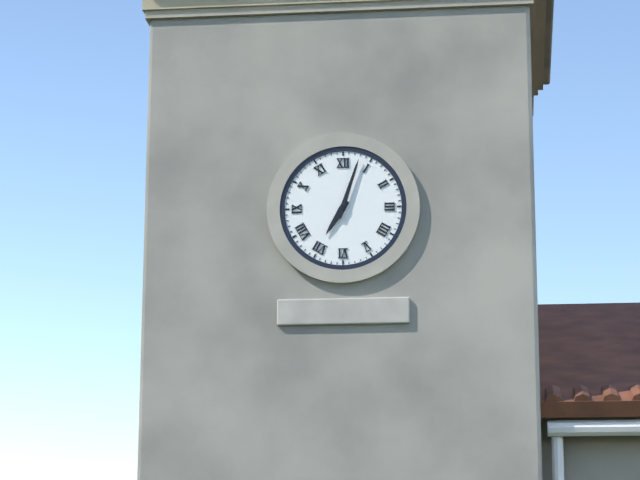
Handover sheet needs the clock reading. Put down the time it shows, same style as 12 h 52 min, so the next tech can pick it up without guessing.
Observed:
7 h 03 min
